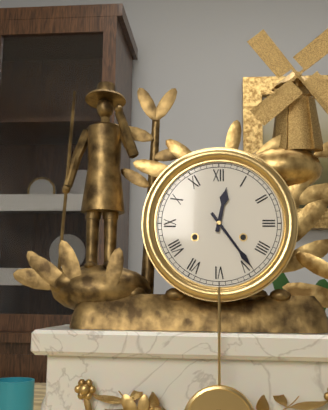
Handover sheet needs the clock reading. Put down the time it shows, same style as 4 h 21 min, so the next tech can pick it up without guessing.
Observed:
12 h 24 min
